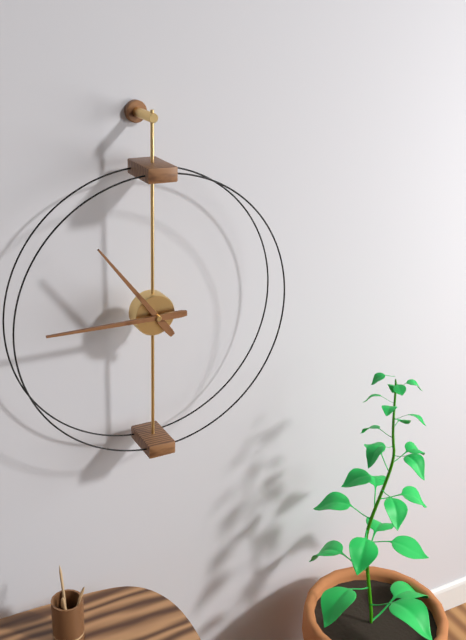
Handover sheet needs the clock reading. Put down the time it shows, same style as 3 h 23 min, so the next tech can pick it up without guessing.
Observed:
10 h 45 min
